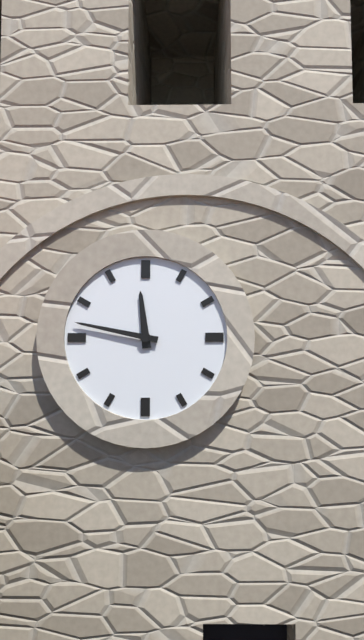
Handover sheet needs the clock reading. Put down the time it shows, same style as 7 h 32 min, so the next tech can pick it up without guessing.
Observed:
11 h 47 min
